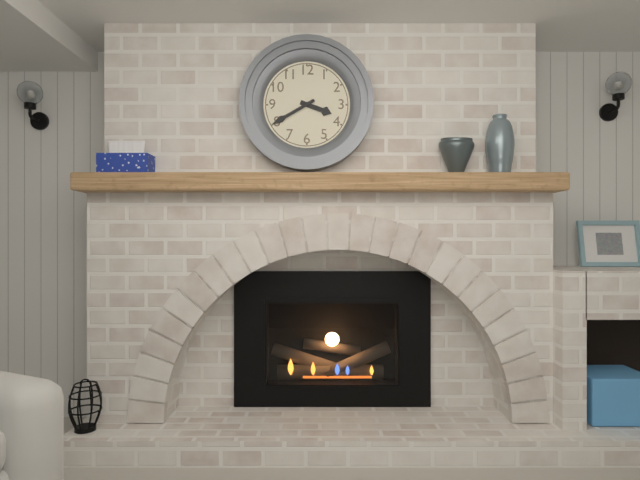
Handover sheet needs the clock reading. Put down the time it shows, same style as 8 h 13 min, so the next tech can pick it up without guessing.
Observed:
3 h 40 min
